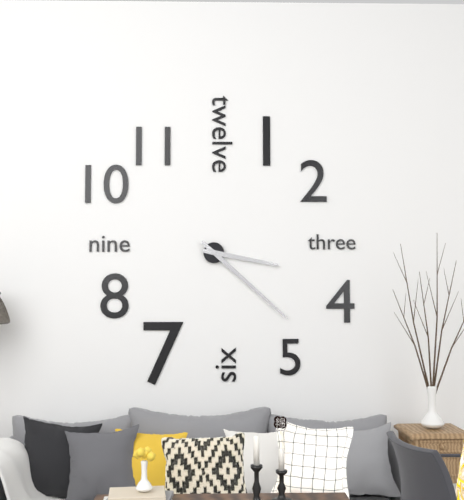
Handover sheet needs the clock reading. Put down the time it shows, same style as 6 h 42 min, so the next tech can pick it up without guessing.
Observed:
3 h 22 min
